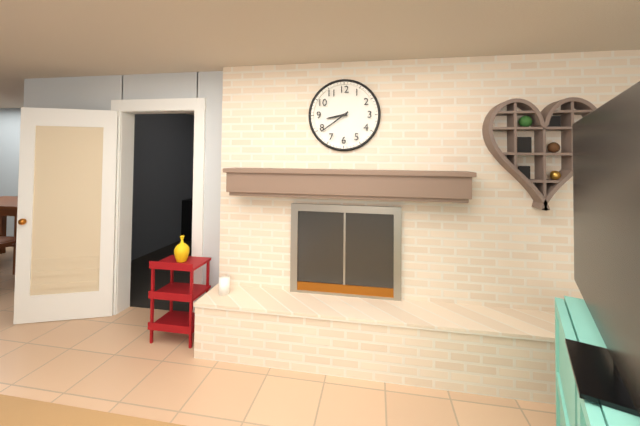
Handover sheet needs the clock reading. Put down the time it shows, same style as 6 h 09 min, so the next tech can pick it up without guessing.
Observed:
8 h 39 min
